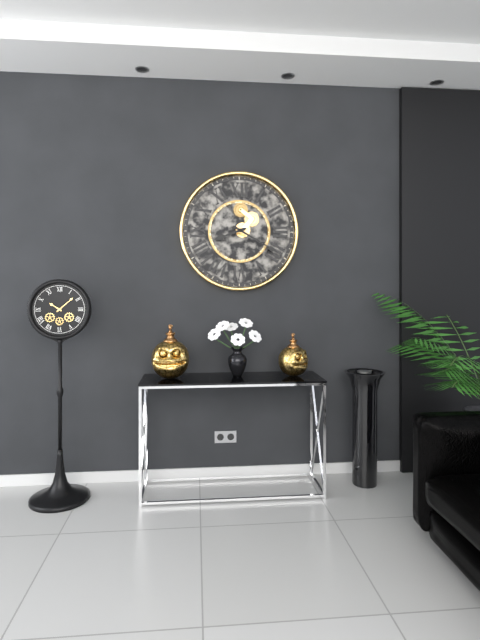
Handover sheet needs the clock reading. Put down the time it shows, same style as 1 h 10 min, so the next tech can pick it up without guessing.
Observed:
8 h 20 min
